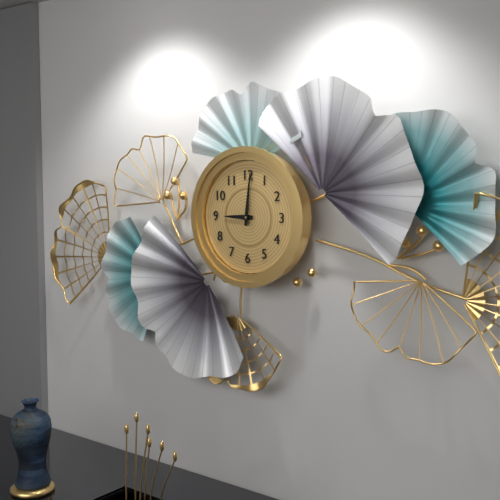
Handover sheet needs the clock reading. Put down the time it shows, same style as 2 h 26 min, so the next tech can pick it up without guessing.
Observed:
9 h 01 min
